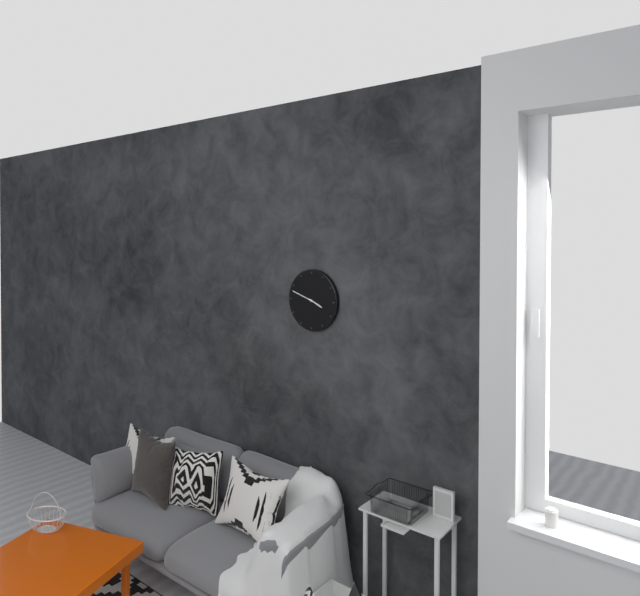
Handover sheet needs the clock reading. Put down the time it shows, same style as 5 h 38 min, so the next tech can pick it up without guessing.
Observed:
3 h 48 min
